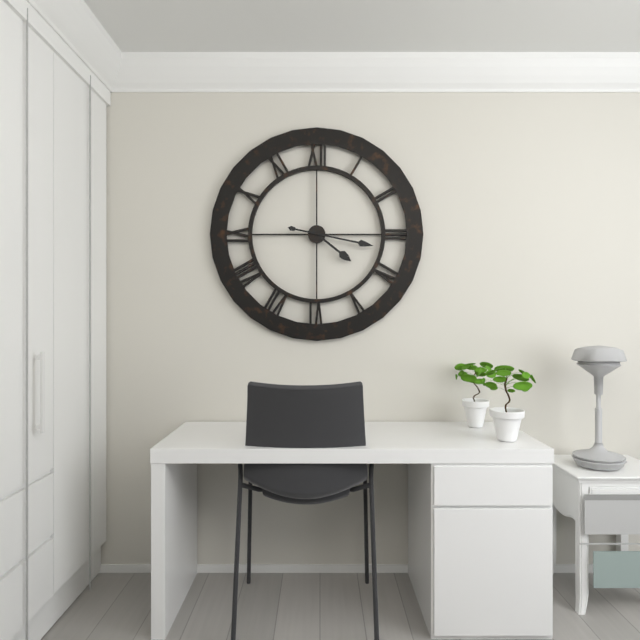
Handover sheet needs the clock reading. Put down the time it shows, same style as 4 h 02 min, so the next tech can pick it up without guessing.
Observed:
4 h 17 min
